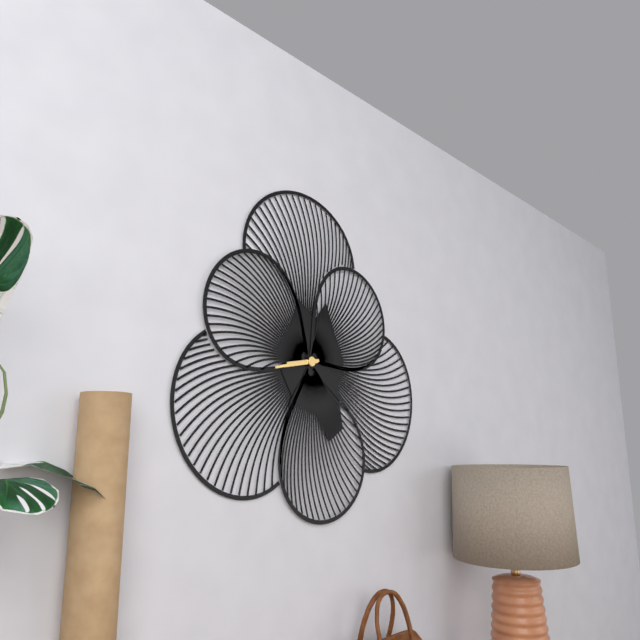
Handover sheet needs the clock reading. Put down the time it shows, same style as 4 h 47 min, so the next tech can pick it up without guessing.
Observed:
8 h 43 min
